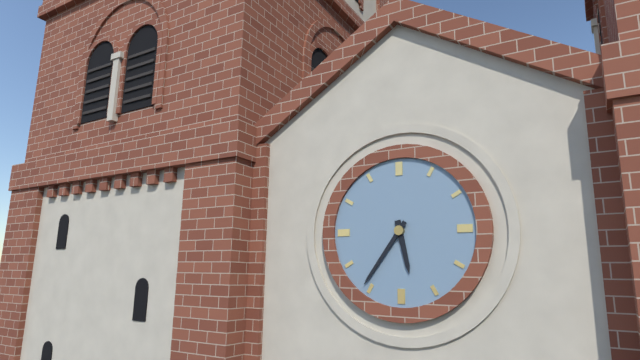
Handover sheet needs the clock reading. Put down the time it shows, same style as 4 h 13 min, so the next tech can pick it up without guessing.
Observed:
5 h 36 min
